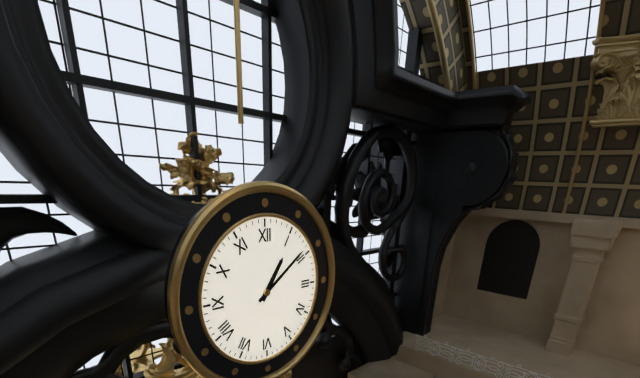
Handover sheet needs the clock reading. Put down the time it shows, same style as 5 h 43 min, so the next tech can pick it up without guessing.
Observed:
1 h 09 min
